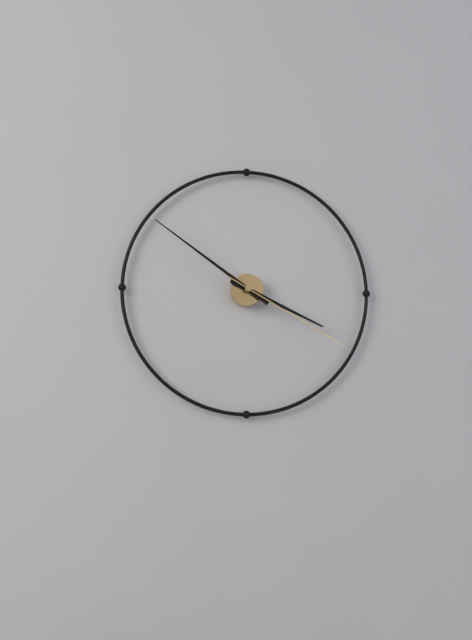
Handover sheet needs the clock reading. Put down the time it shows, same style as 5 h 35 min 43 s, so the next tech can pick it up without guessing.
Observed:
3 h 51 min 20 s
